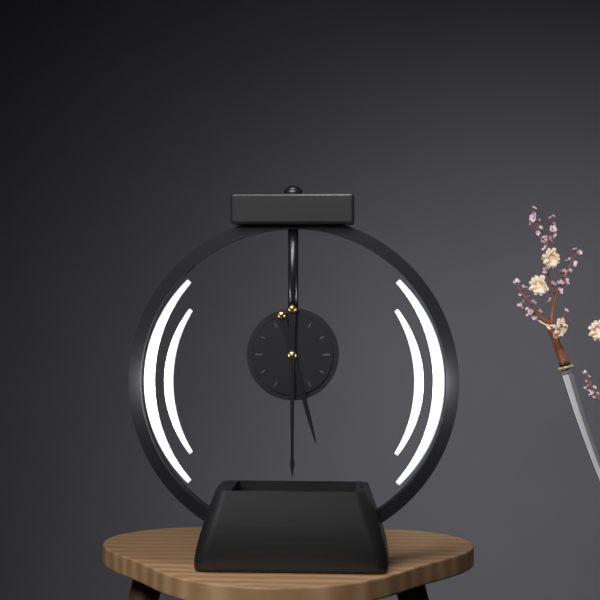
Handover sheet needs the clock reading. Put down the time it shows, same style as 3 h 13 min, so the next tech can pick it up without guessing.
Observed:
5 h 30 min
